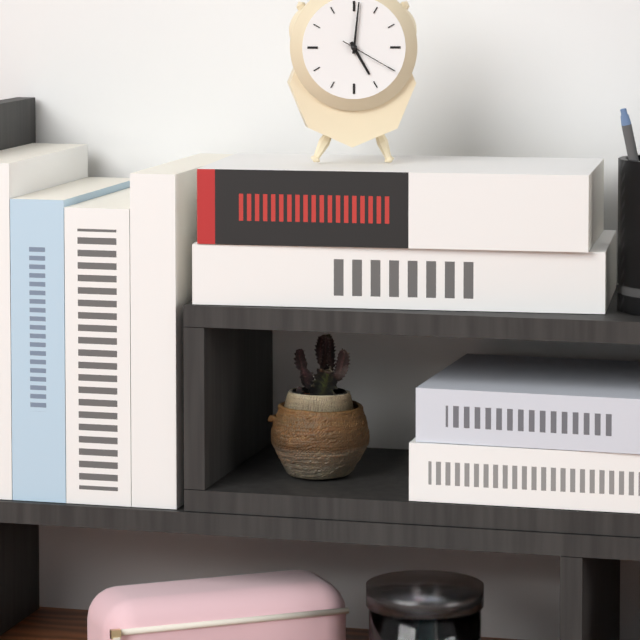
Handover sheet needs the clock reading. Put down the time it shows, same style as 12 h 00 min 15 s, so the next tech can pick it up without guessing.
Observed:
5 h 01 min 20 s
